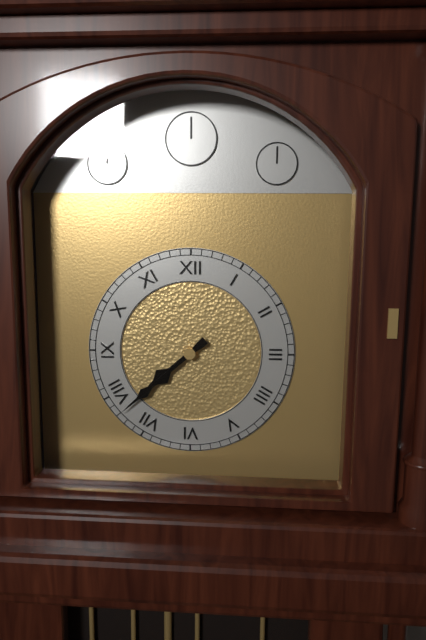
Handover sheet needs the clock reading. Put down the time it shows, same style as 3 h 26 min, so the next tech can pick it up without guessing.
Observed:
7 h 38 min
